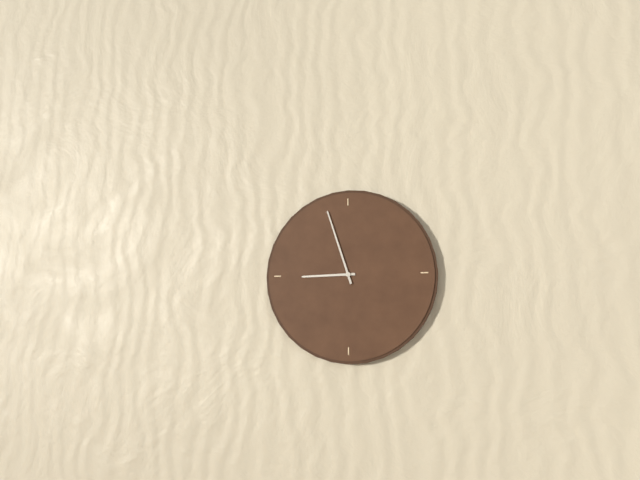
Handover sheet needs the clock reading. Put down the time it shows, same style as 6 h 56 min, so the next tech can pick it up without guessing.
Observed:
8 h 57 min
